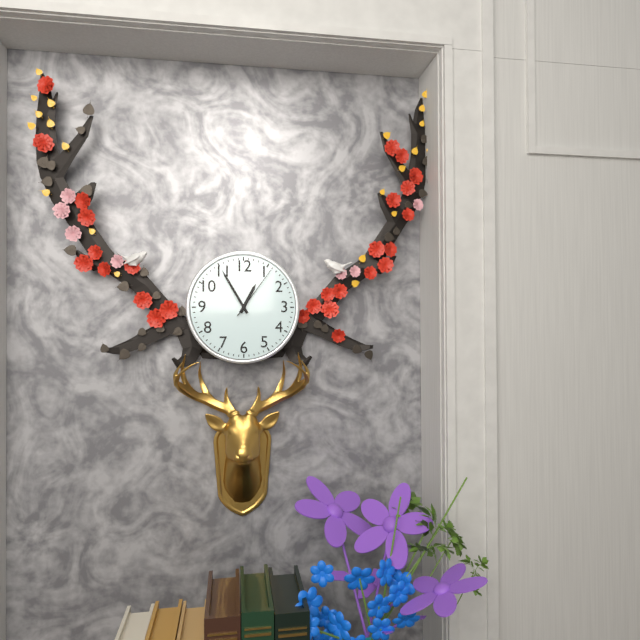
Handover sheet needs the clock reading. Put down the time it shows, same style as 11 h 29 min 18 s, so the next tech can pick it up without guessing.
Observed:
12 h 55 min 06 s
